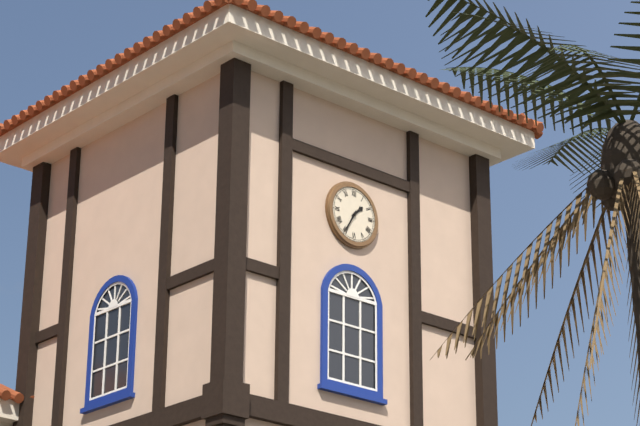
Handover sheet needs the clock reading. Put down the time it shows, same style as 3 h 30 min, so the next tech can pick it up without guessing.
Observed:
1 h 35 min
